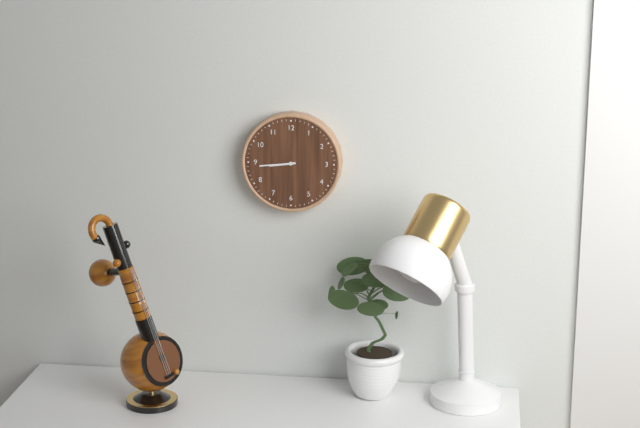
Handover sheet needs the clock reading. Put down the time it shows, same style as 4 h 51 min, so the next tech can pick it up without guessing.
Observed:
8 h 44 min
